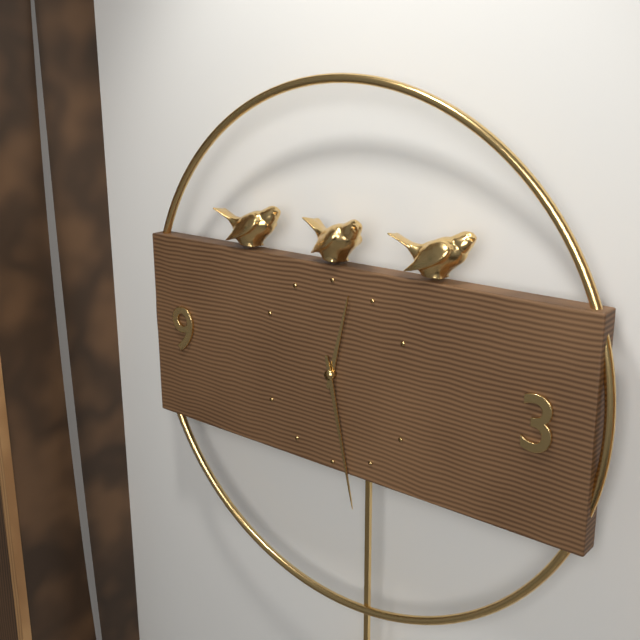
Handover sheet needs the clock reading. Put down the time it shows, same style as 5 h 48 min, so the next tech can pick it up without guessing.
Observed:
12 h 28 min
